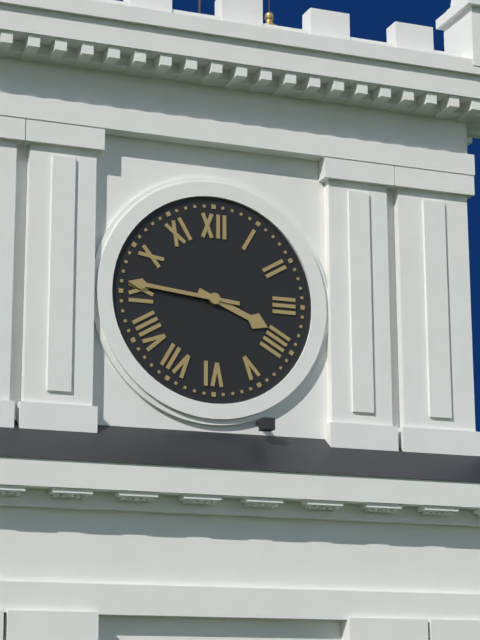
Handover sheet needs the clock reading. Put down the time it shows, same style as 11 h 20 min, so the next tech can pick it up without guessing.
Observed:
3 h 46 min
